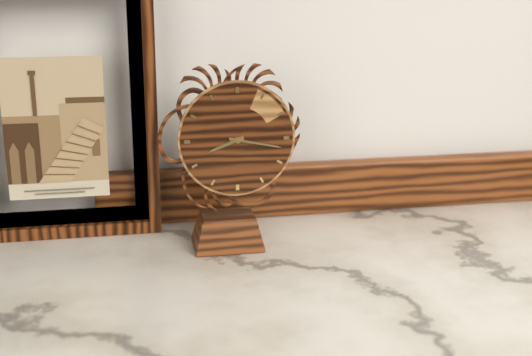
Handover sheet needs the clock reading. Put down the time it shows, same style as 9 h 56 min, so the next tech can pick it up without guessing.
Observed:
8 h 17 min
